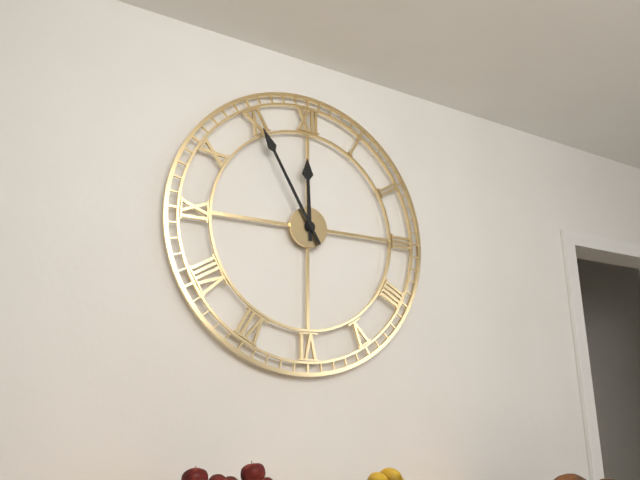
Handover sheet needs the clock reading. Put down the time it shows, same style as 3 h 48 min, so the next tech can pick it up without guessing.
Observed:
11 h 55 min
